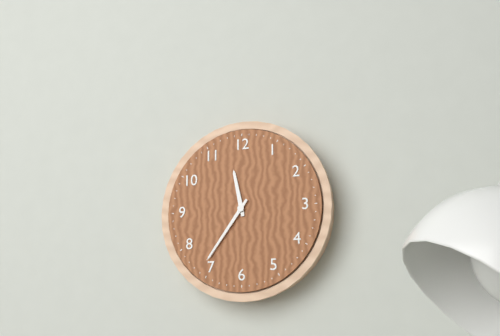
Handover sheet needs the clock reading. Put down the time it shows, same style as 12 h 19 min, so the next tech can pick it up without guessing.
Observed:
11 h 36 min
